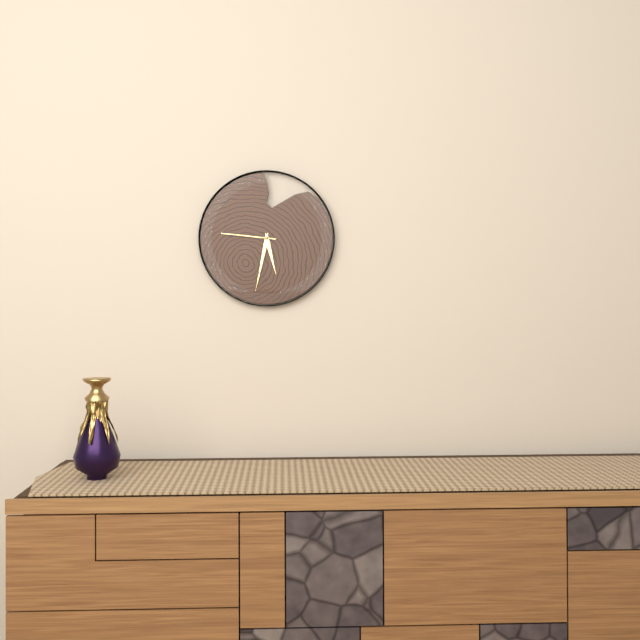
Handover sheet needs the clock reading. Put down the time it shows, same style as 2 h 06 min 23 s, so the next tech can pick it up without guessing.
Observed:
5 h 32 min 46 s
